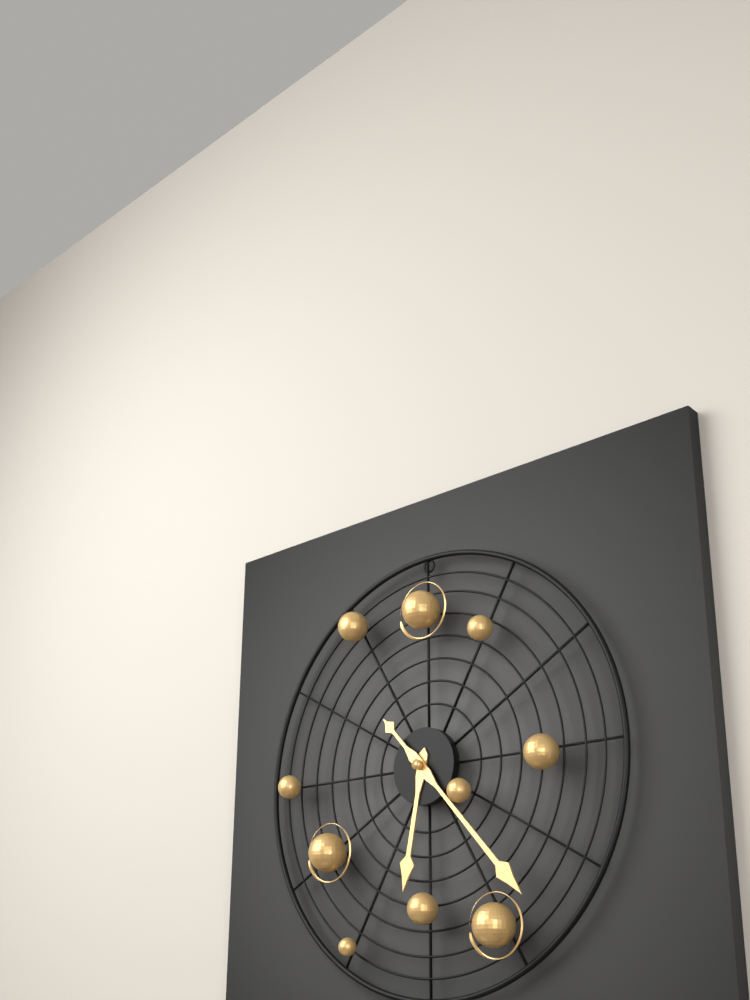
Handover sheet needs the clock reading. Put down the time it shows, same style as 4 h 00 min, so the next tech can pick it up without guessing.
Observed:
6 h 23 min
